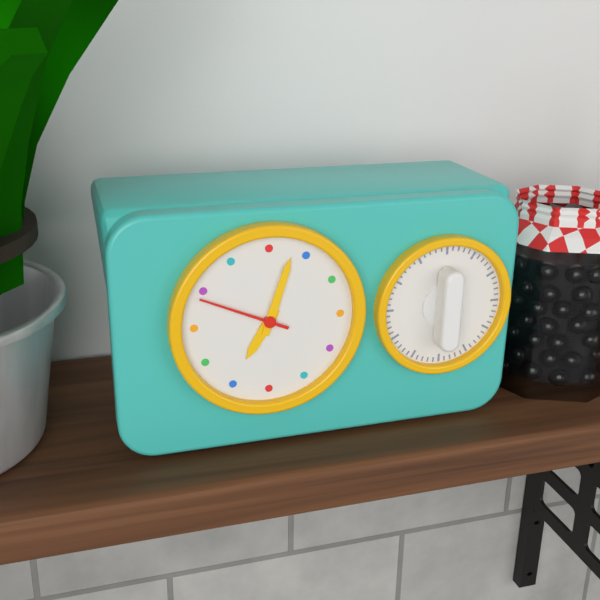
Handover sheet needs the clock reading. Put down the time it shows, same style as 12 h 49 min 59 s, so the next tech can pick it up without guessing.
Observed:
7 h 03 min 49 s
